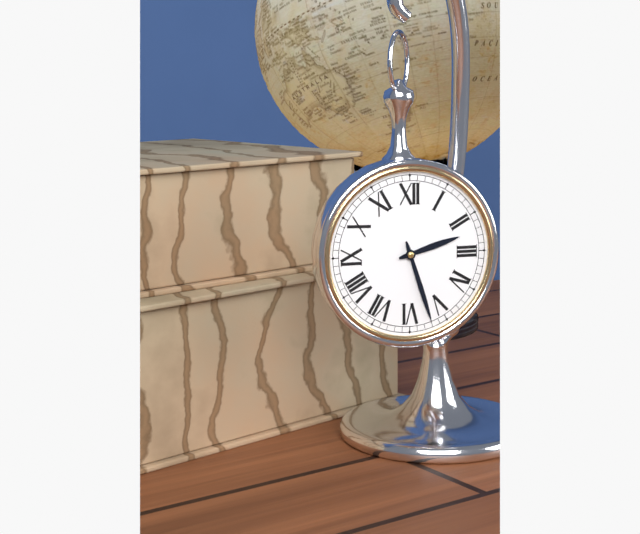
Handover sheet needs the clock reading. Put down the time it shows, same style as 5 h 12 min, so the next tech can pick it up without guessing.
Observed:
2 h 27 min
